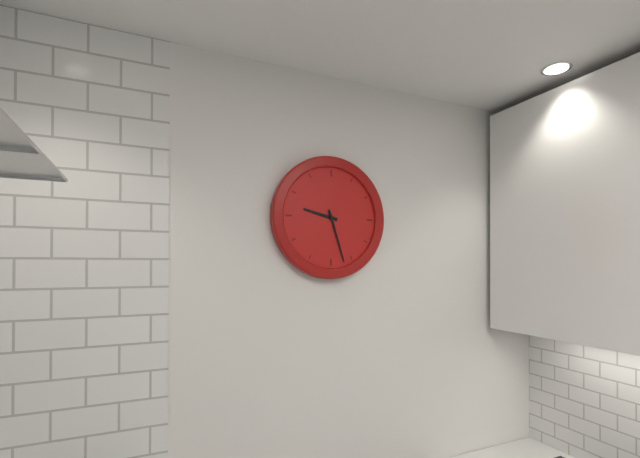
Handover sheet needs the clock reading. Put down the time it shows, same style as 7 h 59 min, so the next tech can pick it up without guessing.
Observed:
9 h 27 min
